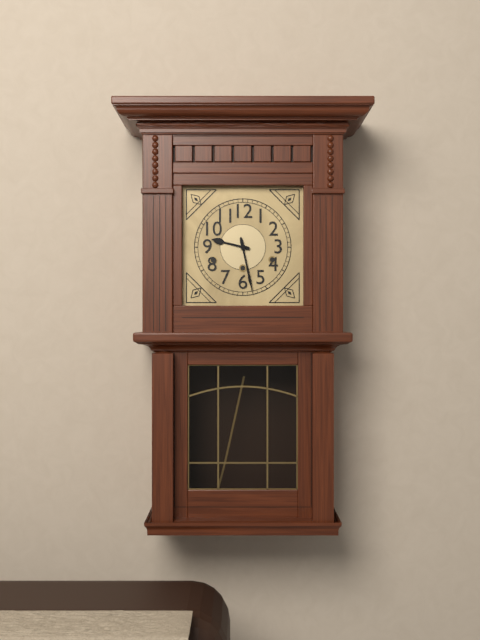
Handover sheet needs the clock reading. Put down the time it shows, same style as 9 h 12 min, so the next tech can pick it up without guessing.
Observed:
9 h 28 min
